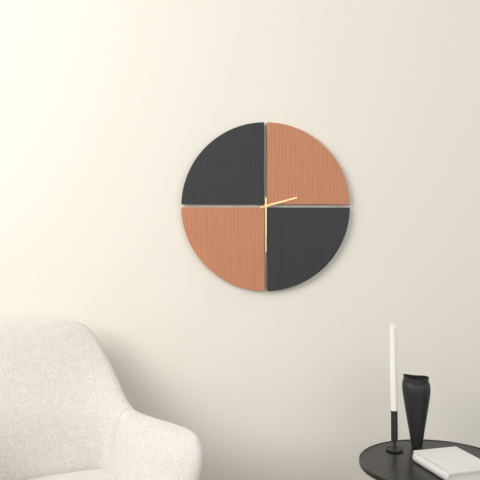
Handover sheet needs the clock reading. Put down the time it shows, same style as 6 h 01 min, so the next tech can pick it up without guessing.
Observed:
2 h 30 min
